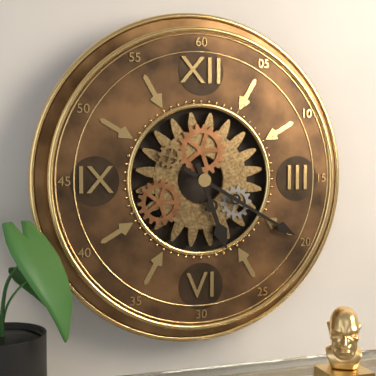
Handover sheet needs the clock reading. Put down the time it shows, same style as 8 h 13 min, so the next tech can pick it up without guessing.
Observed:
5 h 20 min
